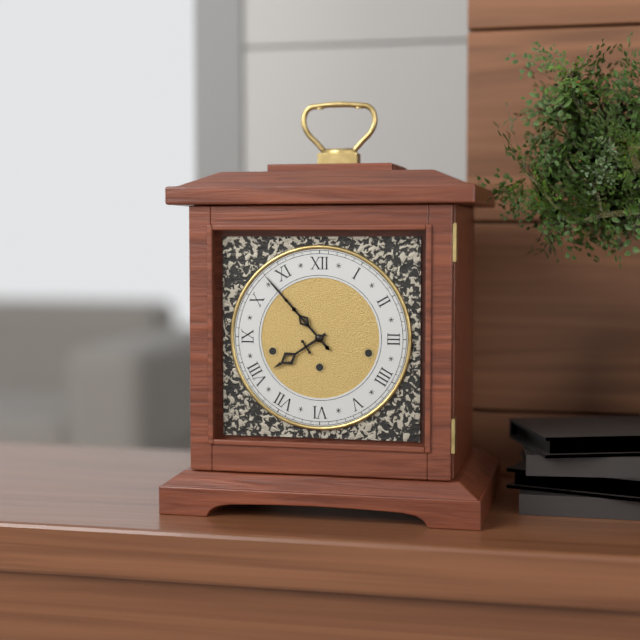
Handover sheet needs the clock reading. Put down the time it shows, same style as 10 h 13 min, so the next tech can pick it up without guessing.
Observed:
7 h 53 min
